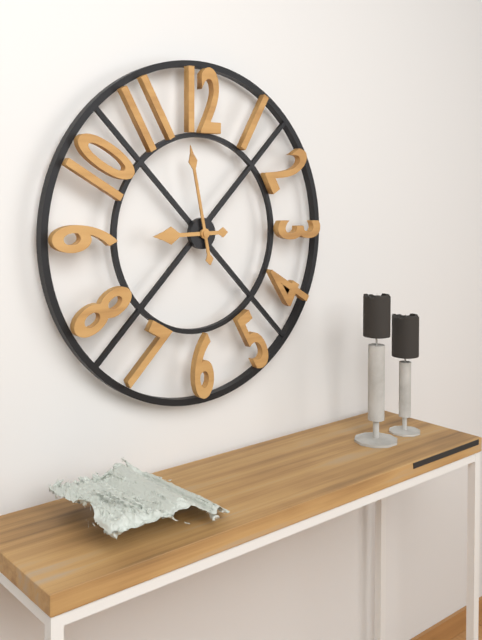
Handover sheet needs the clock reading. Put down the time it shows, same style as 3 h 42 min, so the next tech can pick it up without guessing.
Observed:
8 h 58 min
